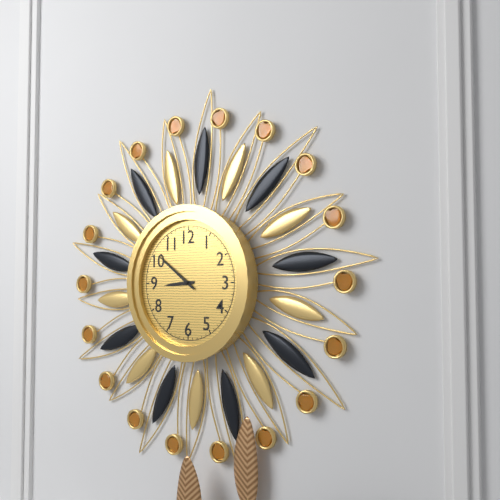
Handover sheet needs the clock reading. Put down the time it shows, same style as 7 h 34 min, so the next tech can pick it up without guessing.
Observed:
8 h 51 min
